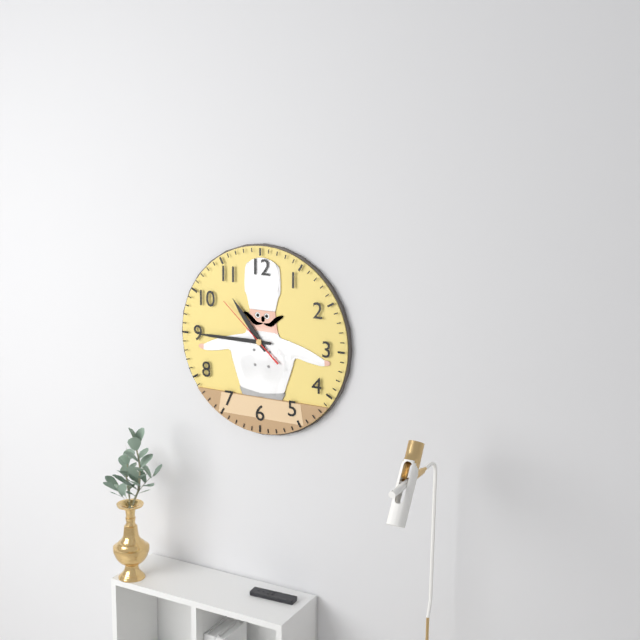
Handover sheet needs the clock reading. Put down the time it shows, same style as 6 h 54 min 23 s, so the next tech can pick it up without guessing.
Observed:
10 h 45 min 52 s
